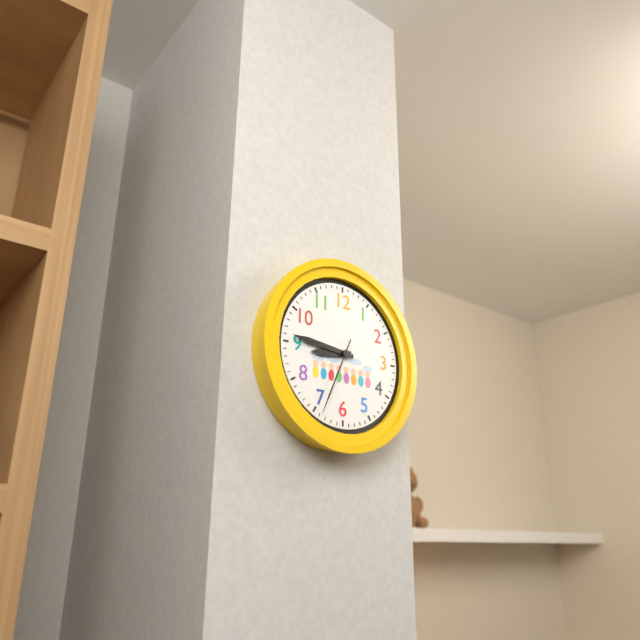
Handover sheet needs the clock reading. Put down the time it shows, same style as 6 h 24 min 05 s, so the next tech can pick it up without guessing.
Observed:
8 h 46 min 34 s
